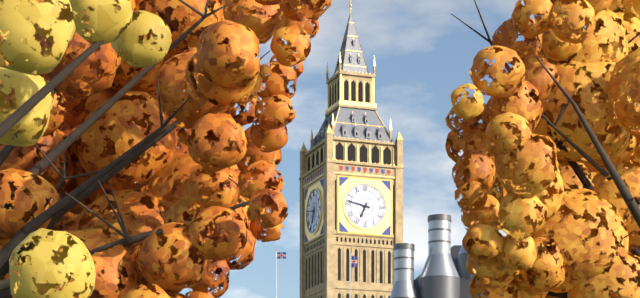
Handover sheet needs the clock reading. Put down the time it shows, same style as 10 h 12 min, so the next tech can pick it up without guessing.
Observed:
6 h 47 min
